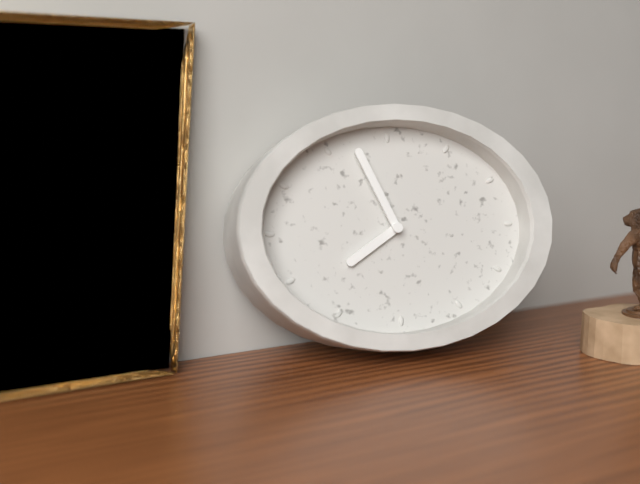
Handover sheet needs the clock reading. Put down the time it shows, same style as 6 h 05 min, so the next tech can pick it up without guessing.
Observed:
7 h 56 min
